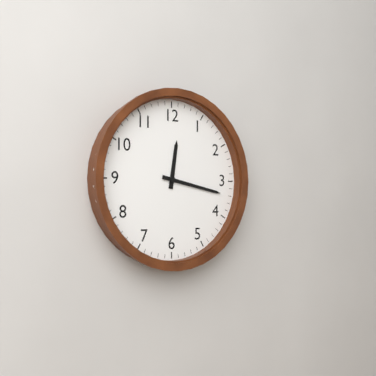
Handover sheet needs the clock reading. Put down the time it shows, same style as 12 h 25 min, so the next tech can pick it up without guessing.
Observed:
12 h 17 min
